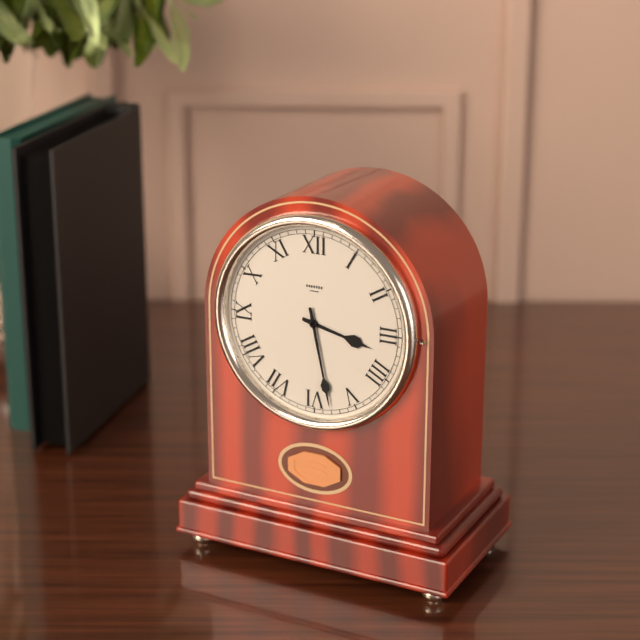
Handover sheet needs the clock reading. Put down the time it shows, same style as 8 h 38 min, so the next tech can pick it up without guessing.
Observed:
3 h 28 min
